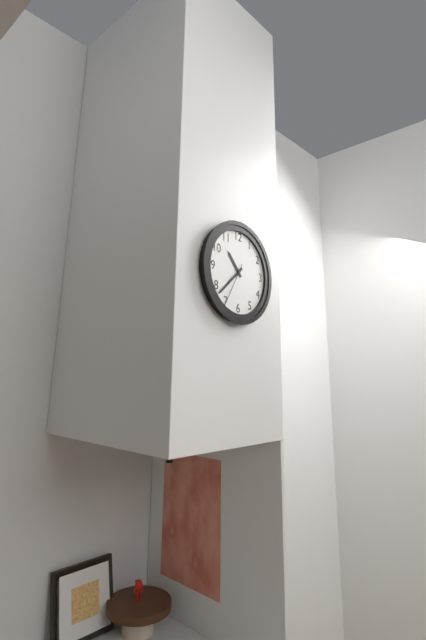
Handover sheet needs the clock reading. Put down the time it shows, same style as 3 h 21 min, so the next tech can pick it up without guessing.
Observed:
10 h 38 min
